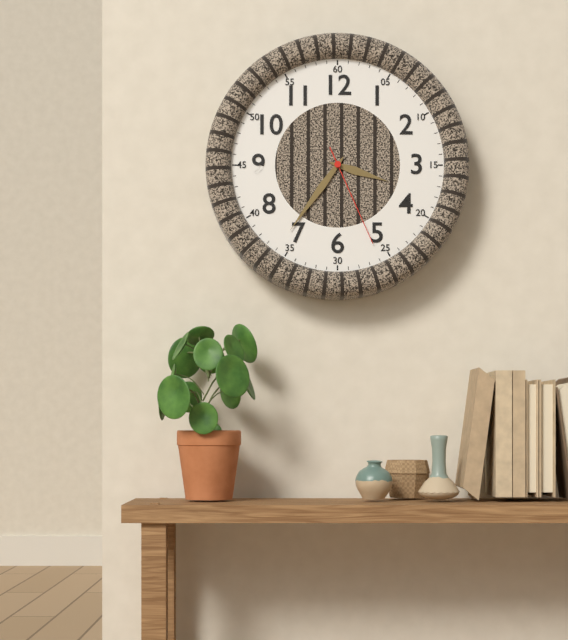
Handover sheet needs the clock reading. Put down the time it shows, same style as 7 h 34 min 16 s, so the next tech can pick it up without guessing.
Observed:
3 h 36 min 26 s
